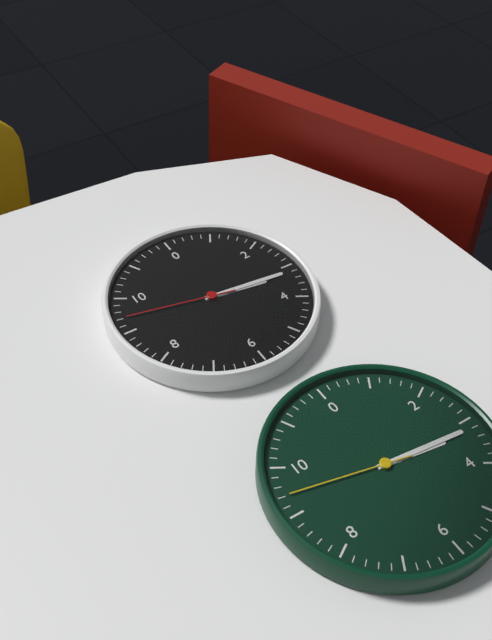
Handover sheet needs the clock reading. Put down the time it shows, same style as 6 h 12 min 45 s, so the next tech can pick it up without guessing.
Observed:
3 h 16 min 47 s
